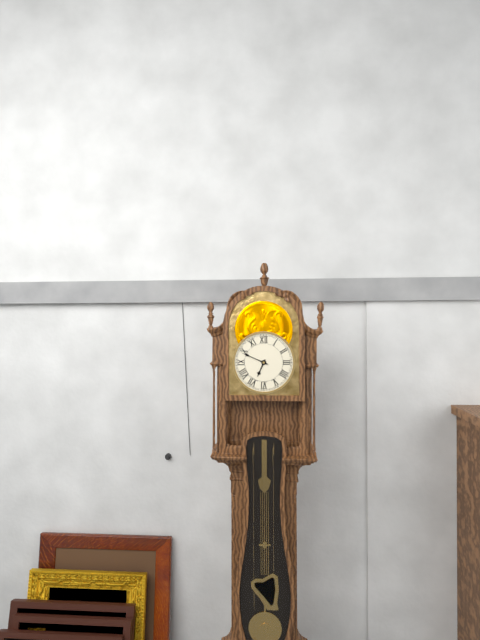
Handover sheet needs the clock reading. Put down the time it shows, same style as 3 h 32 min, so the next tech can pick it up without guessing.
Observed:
6 h 49 min
